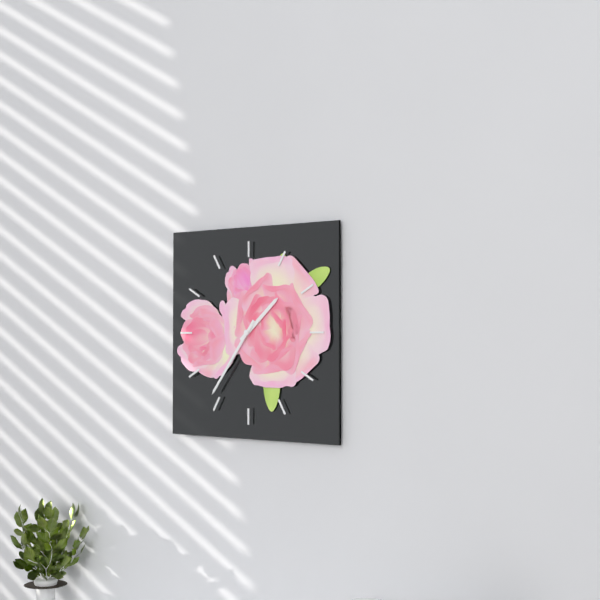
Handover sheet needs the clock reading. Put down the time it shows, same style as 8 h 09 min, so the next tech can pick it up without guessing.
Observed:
1 h 36 min
